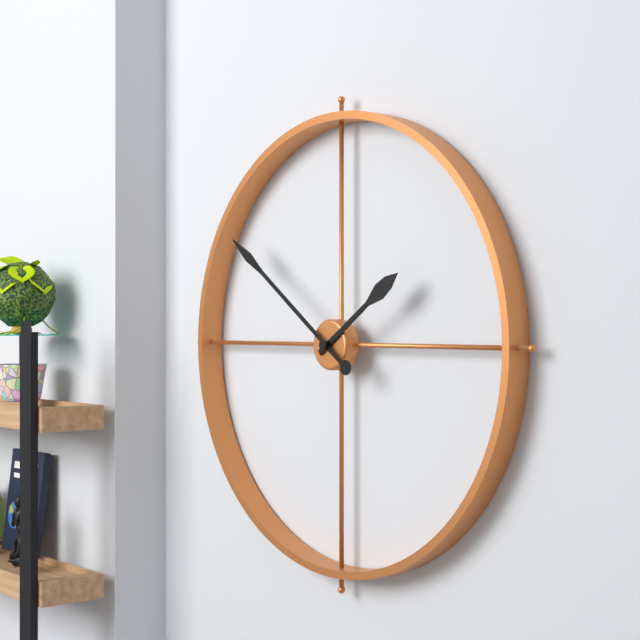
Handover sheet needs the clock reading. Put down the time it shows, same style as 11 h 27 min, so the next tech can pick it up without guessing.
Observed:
1 h 51 min
